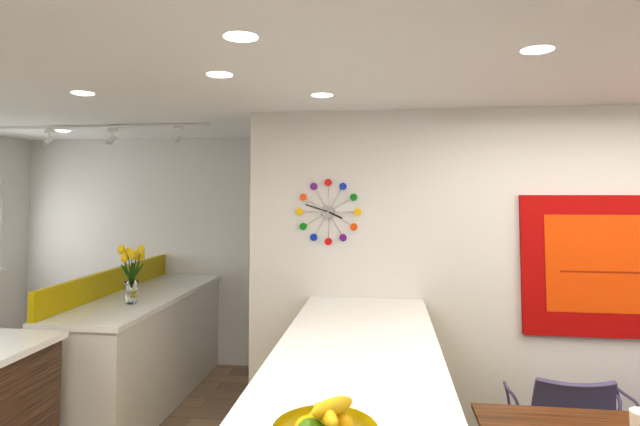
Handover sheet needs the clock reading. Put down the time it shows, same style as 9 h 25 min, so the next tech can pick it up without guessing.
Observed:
3 h 48 min
